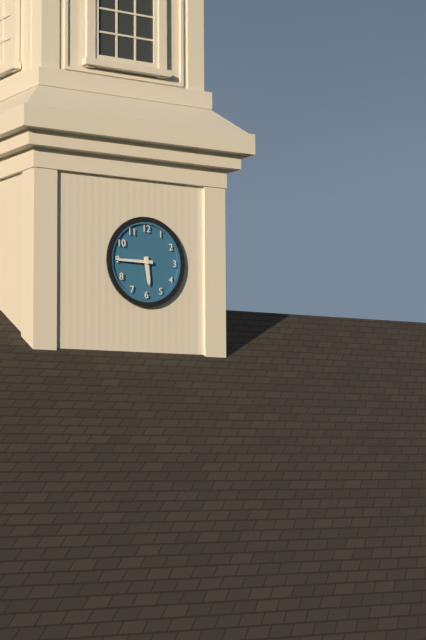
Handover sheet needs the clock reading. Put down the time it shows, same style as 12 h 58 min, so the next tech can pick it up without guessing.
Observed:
5 h 45 min
